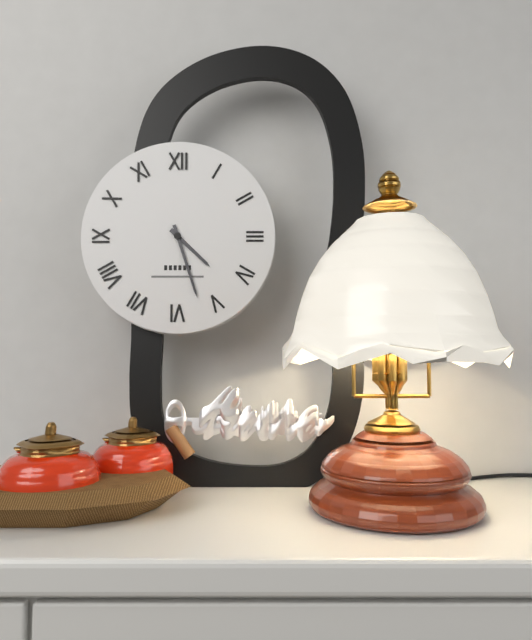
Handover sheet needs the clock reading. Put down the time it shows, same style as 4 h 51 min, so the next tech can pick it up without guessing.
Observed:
4 h 27 min
